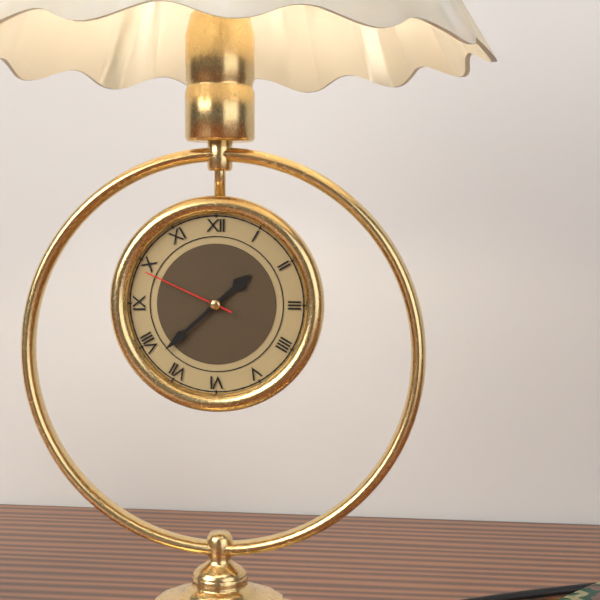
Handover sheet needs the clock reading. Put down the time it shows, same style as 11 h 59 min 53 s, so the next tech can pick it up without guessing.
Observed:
1 h 38 min 49 s
